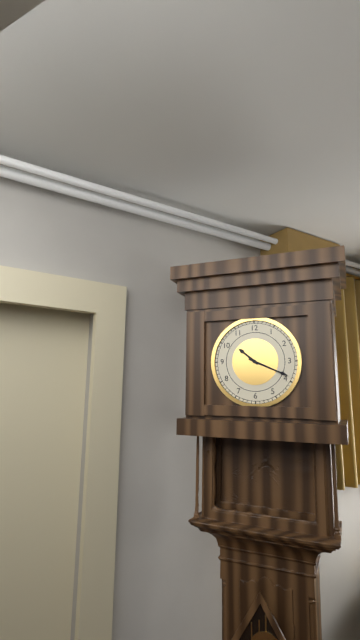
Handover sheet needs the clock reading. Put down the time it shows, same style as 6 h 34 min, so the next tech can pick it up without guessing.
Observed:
10 h 19 min
